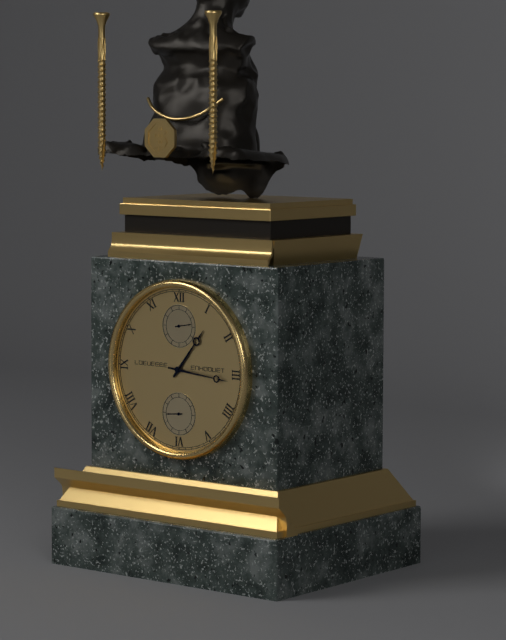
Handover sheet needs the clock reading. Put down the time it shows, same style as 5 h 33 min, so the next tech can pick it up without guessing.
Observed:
1 h 16 min
